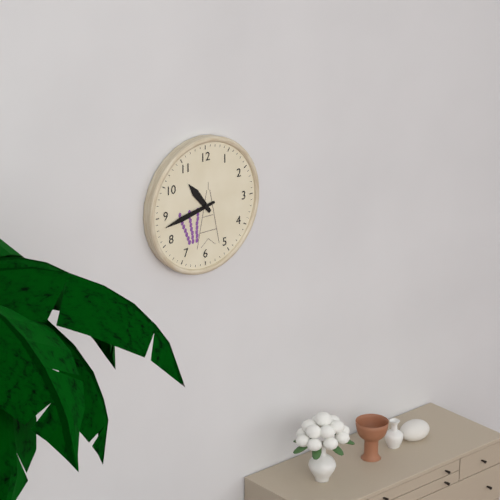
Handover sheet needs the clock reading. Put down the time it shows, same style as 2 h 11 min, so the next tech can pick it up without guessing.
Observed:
10 h 43 min
